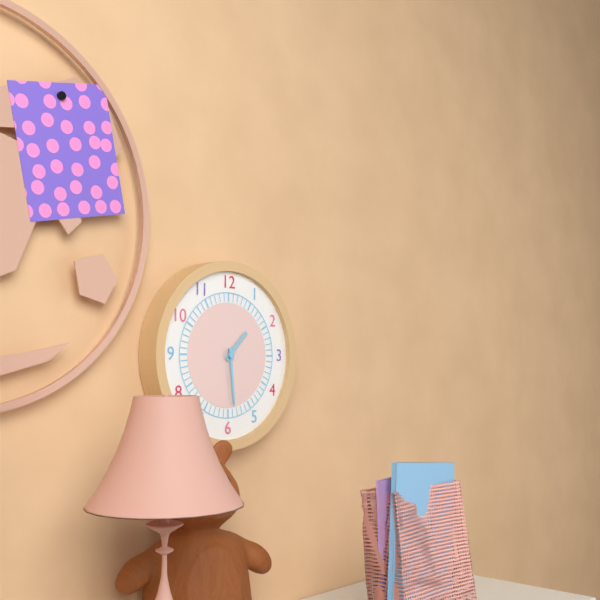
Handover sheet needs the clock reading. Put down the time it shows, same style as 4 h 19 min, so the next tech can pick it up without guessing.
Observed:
1 h 29 min
